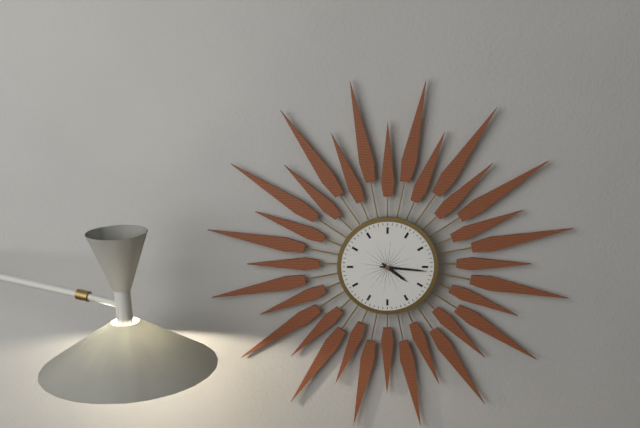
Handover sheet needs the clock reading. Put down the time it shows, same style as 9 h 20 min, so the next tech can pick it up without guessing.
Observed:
4 h 16 min
